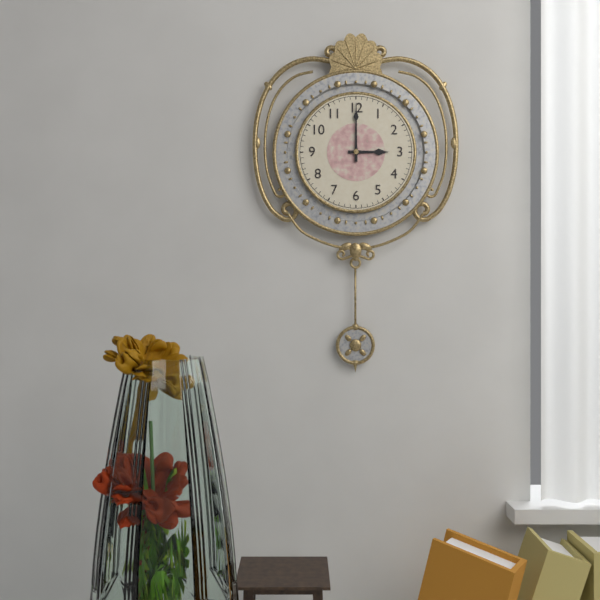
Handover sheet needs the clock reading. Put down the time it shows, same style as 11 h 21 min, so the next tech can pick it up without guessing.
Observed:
3 h 00 min
